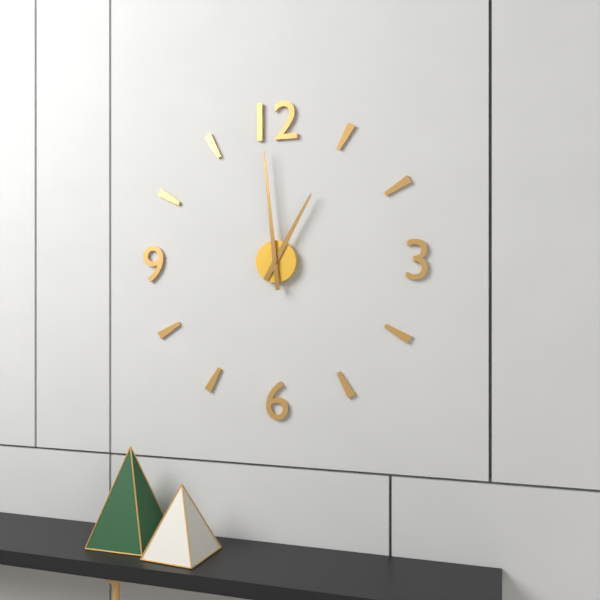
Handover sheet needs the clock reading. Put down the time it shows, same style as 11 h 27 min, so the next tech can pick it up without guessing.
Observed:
12 h 59 min
